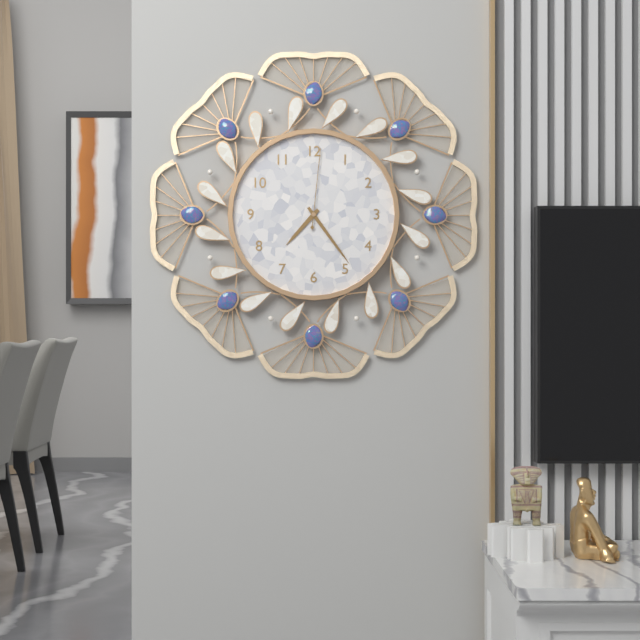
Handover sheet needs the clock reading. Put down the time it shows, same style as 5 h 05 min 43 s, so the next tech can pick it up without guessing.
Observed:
7 h 24 min 01 s
